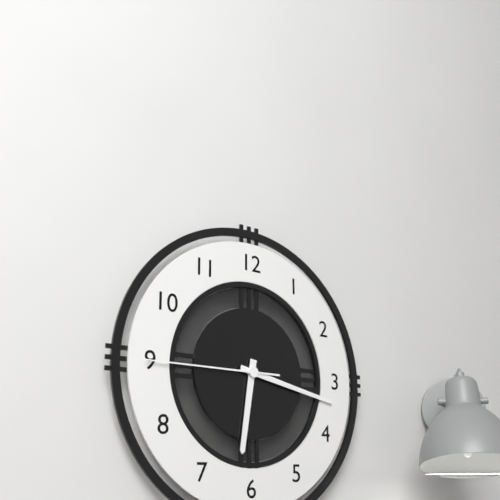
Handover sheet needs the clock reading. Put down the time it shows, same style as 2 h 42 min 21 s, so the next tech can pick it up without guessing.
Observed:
6 h 17 min 45 s
